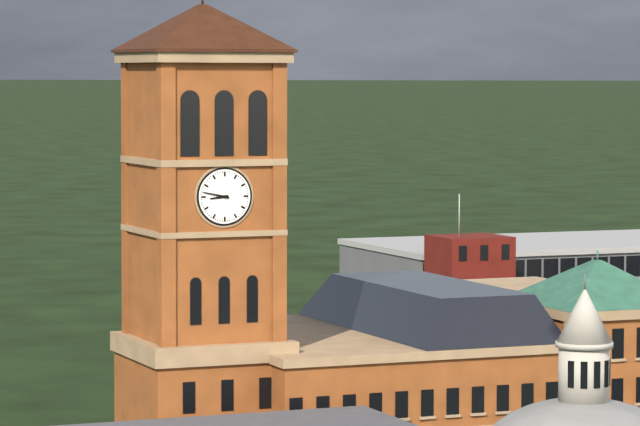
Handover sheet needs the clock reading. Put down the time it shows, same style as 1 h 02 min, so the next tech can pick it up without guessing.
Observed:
8 h 47 min
